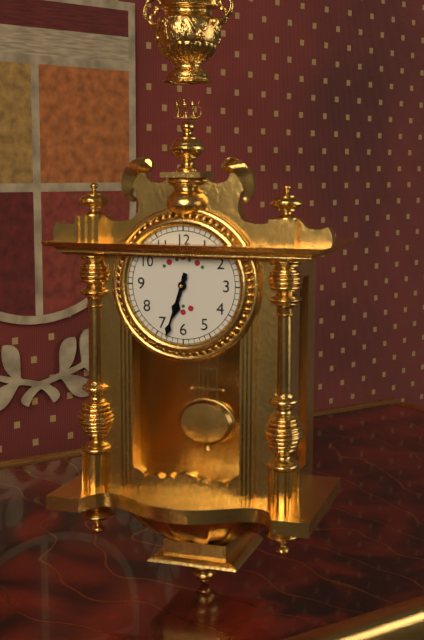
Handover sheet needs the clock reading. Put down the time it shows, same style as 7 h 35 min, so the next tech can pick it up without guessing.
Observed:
6 h 33 min
